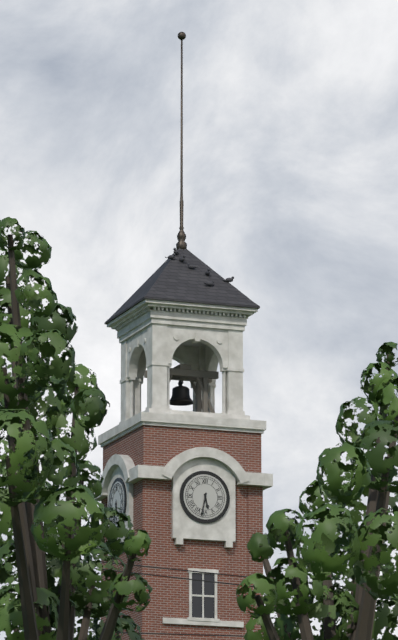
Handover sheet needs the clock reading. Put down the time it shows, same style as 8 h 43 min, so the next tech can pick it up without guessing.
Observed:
5 h 32 min
